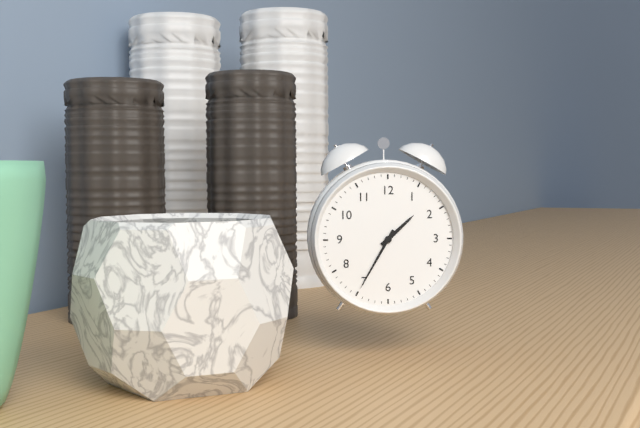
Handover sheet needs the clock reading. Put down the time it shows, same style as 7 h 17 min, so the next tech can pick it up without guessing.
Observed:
1 h 35 min
